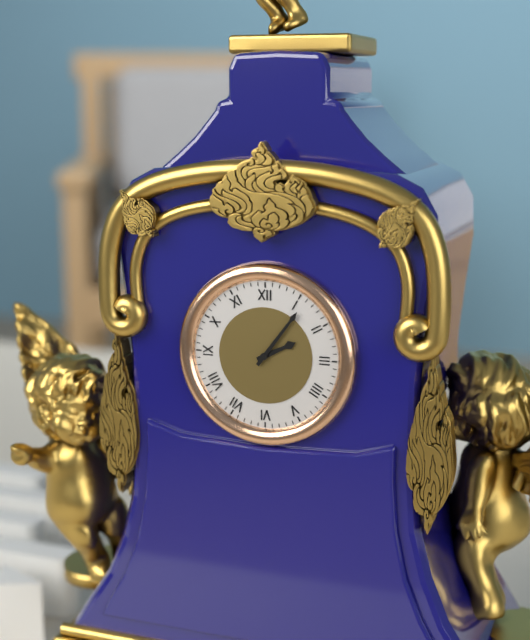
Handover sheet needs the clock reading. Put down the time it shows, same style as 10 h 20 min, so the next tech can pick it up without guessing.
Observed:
2 h 06 min
